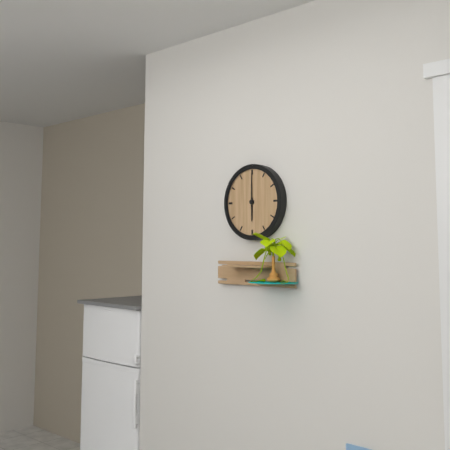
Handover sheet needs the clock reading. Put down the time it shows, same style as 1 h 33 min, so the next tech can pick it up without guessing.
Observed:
6 h 00 min
